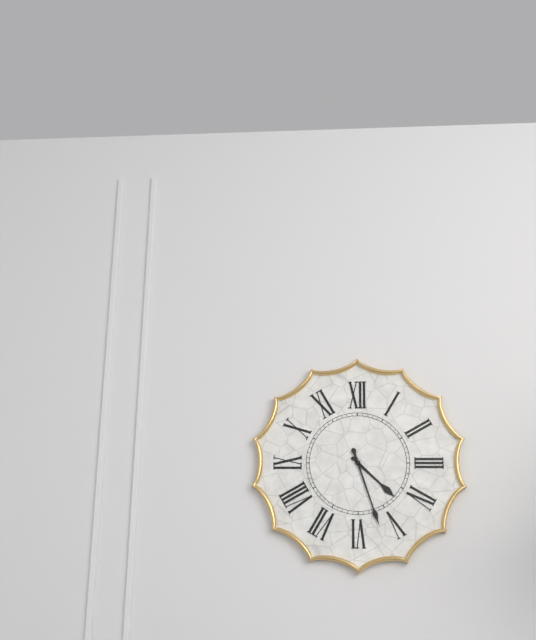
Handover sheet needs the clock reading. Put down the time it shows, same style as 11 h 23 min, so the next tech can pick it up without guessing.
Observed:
4 h 27 min
